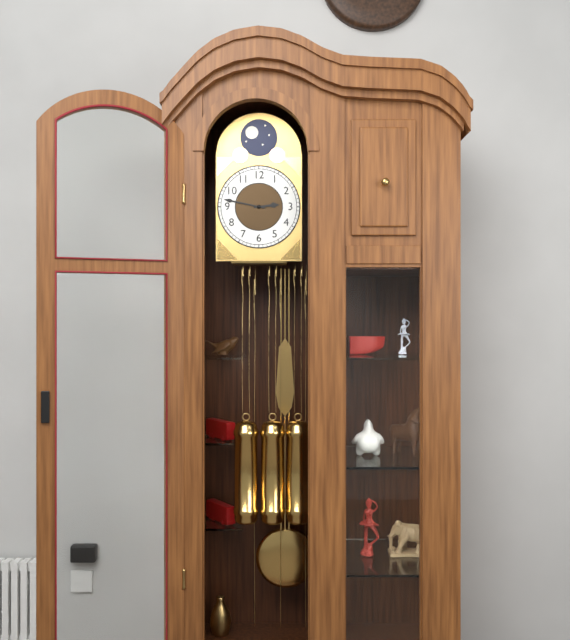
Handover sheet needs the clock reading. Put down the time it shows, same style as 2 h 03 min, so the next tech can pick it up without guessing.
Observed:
2 h 47 min
